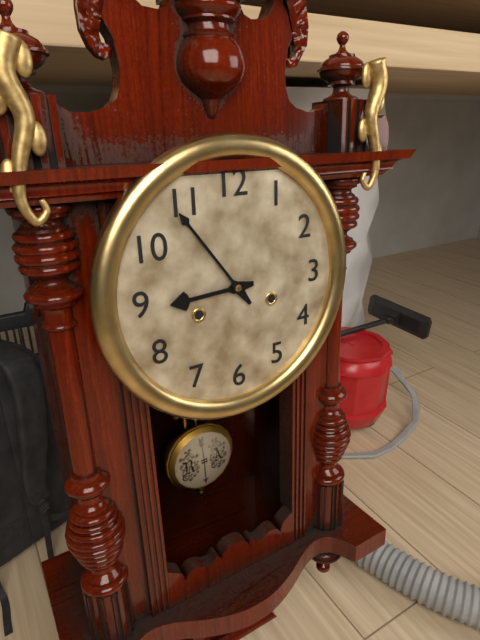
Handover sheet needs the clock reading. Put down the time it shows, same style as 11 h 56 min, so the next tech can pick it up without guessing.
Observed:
8 h 54 min
